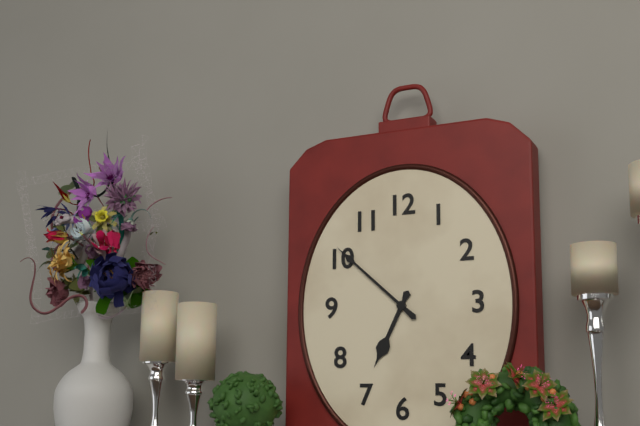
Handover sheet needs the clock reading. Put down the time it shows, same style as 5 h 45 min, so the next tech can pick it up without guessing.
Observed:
6 h 52 min
